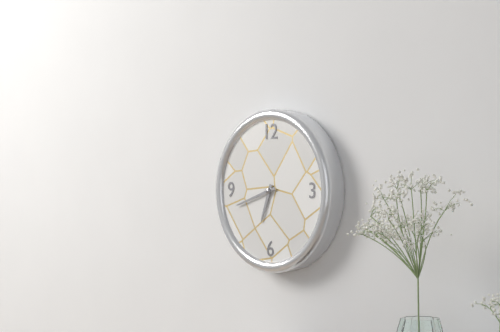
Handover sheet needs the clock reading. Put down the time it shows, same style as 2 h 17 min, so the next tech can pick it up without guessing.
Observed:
6 h 42 min
